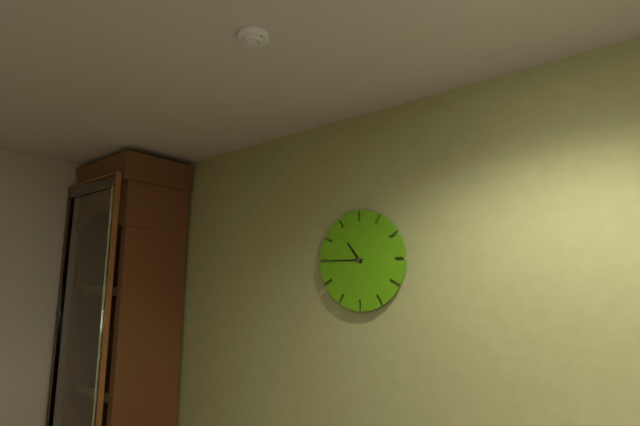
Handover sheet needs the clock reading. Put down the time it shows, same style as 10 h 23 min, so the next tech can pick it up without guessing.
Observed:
10 h 45 min
